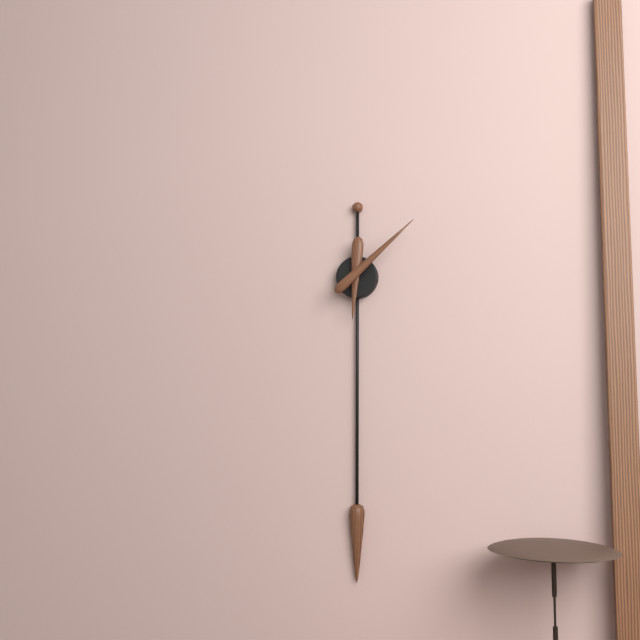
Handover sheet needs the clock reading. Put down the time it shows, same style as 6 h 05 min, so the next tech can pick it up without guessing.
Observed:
6 h 08 min
